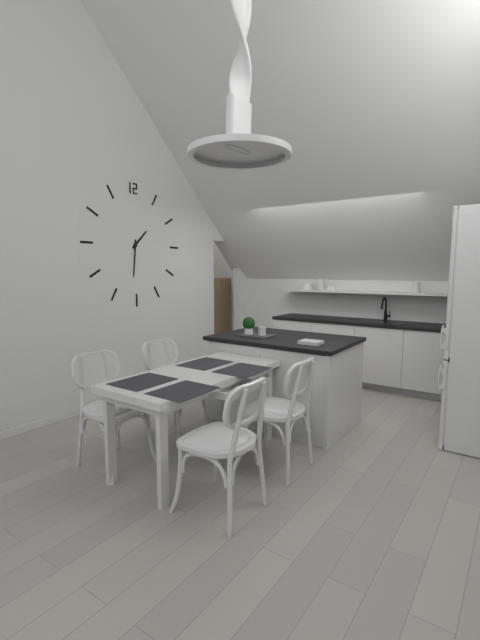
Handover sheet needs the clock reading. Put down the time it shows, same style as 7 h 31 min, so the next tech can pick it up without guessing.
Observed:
1 h 31 min
